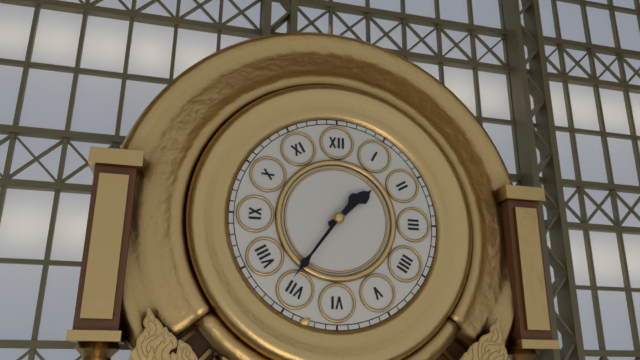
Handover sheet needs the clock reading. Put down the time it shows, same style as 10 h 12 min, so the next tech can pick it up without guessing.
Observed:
1 h 36 min
